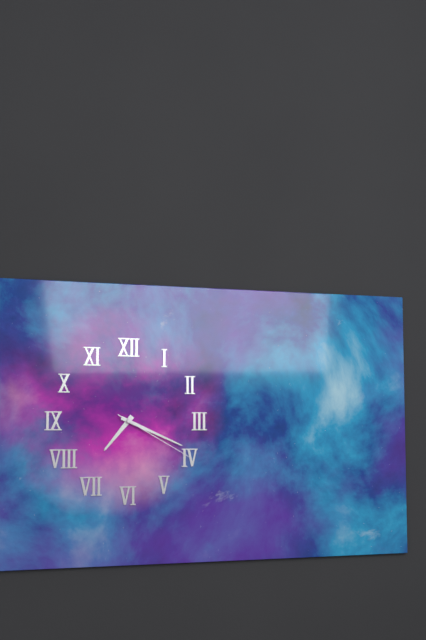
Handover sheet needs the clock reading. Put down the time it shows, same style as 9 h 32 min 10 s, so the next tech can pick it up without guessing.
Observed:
7 h 19 min 20 s
